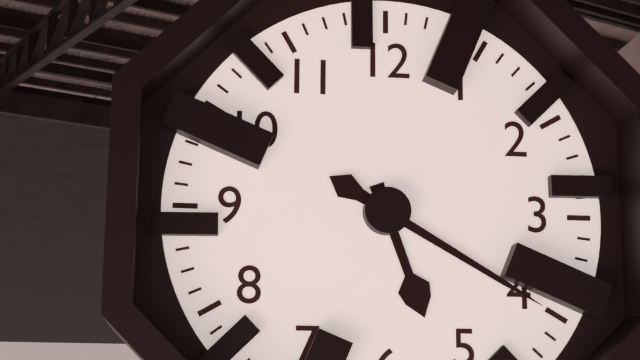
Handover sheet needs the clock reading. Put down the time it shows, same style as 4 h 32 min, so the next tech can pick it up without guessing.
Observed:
5 h 20 min
